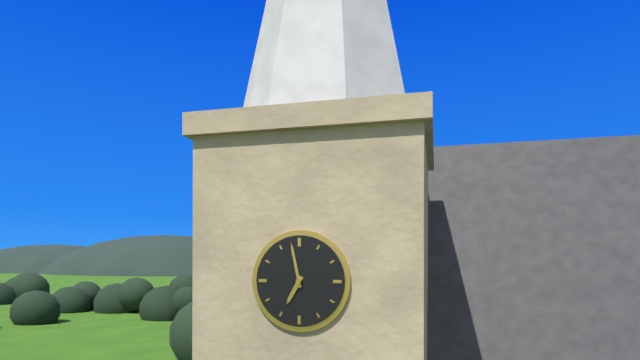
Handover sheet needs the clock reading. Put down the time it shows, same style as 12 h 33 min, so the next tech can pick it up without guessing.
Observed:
6 h 58 min
